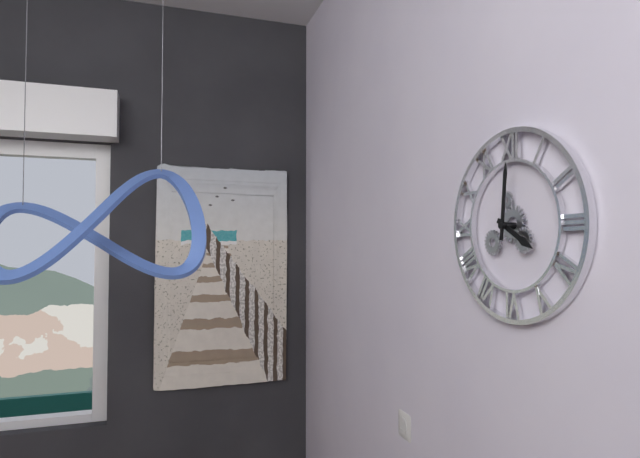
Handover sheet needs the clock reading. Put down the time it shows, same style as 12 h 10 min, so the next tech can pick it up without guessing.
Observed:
4 h 01 min
